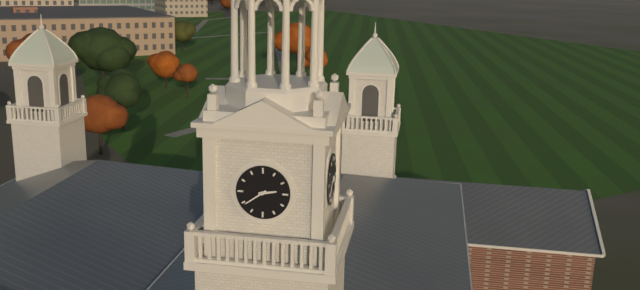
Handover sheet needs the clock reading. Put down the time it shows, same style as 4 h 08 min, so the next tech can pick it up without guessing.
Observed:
2 h 39 min
